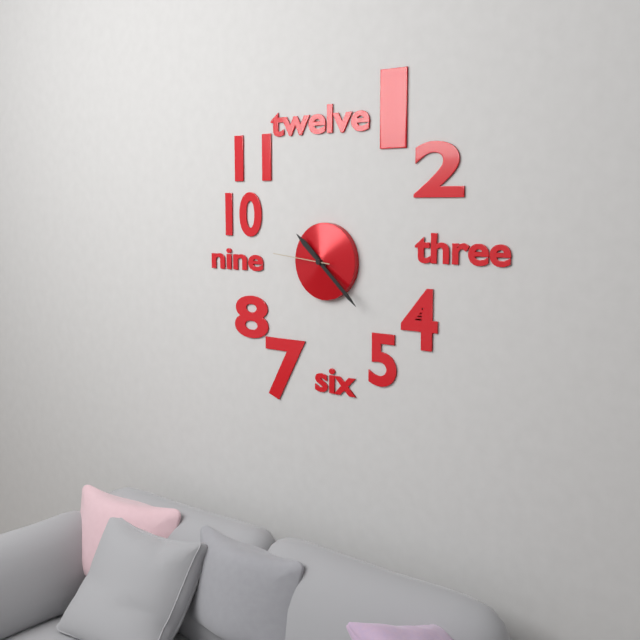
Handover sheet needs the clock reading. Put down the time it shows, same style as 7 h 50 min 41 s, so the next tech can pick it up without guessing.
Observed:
10 h 22 min 46 s
